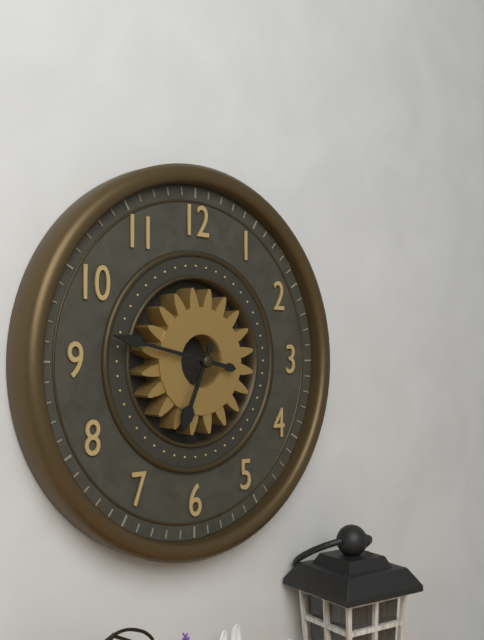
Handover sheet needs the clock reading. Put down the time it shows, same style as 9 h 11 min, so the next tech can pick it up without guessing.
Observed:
6 h 47 min
